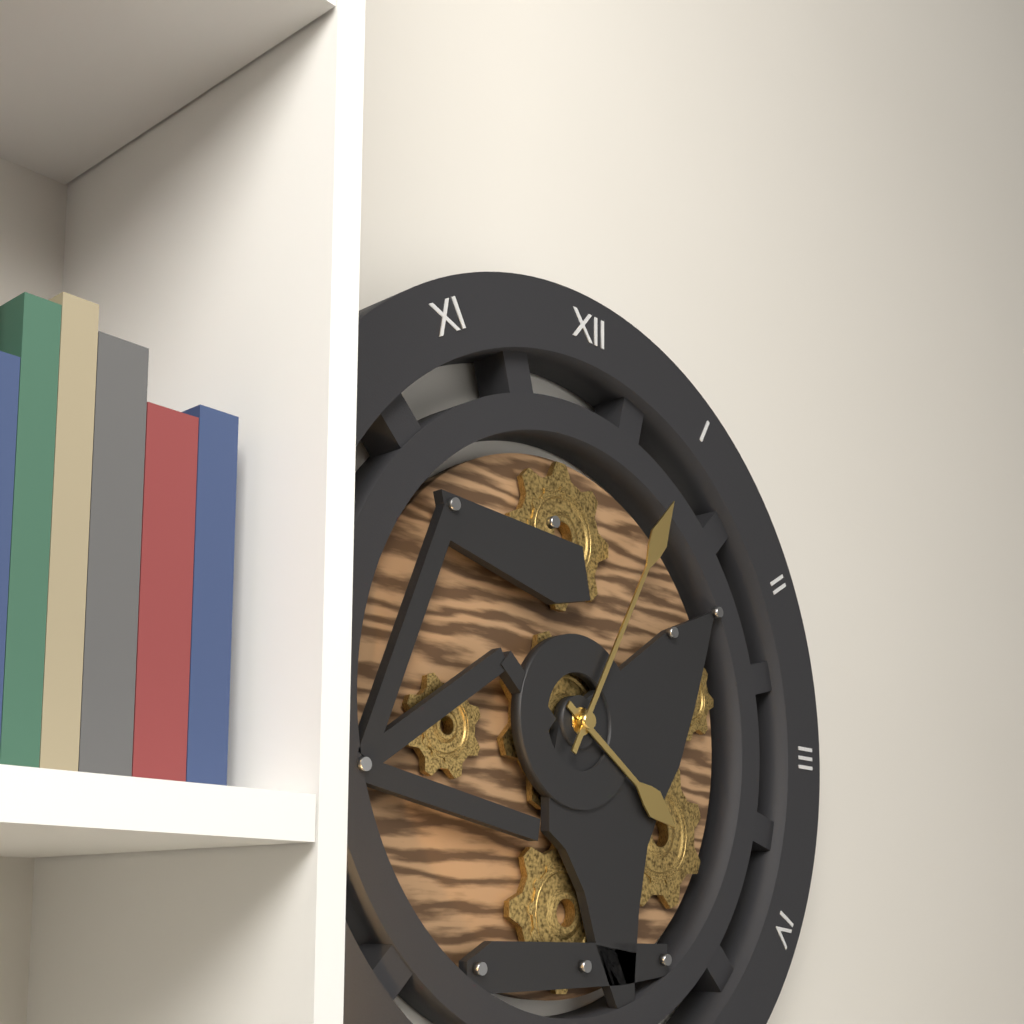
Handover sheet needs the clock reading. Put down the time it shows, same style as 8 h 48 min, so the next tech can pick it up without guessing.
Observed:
4 h 05 min
